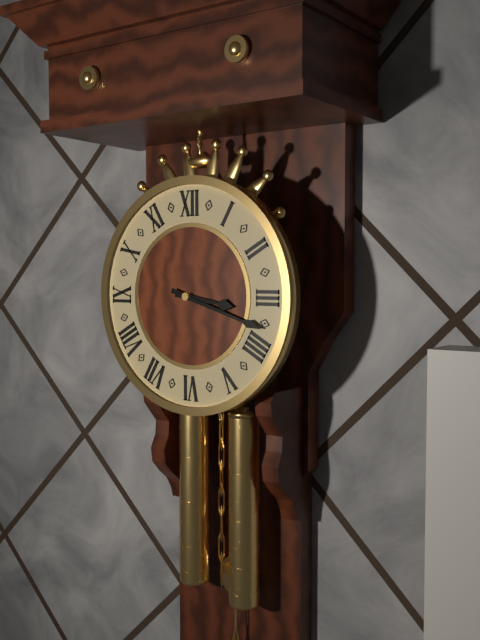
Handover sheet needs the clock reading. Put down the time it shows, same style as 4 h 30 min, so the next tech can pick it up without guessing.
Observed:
3 h 18 min
